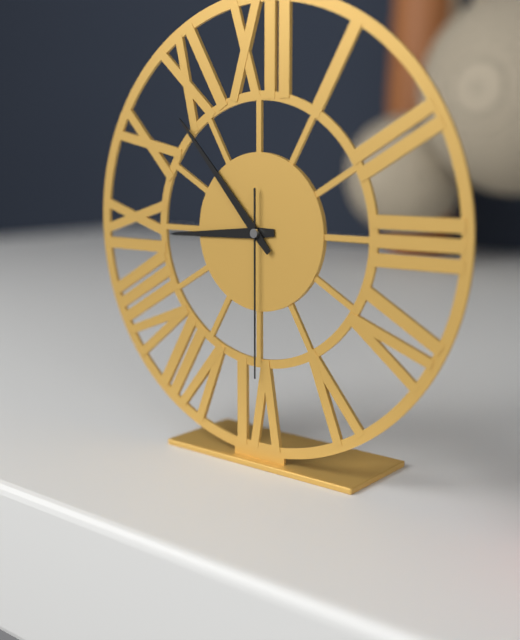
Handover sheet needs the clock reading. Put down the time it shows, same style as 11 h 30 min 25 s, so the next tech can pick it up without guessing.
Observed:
8 h 53 min 30 s
